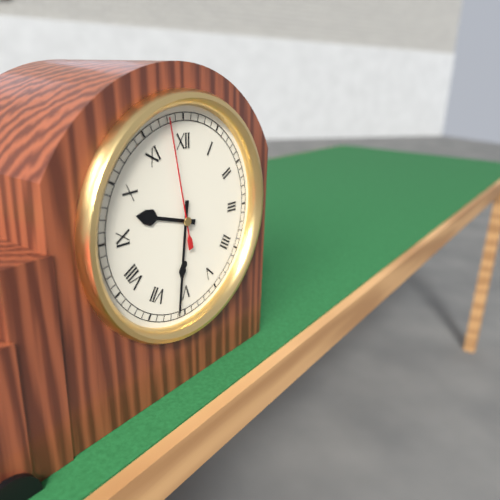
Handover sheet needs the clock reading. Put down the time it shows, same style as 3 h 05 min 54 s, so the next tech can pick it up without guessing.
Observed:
9 h 31 min 58 s
